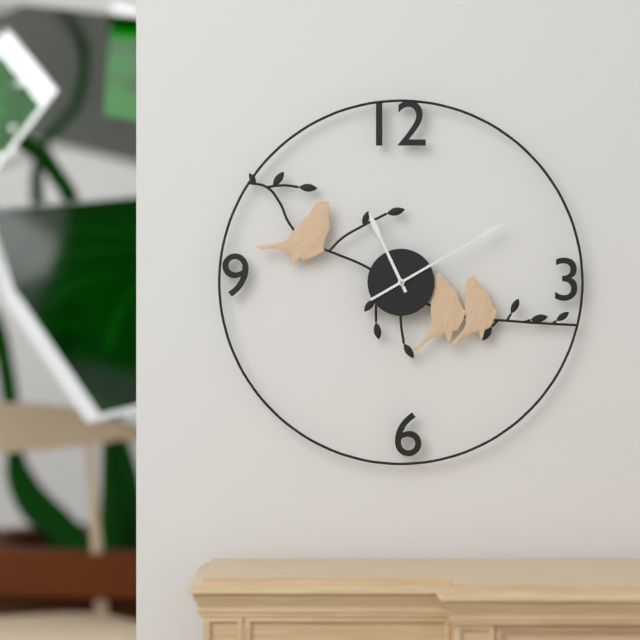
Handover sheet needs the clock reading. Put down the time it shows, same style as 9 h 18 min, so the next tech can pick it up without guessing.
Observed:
11 h 10 min
